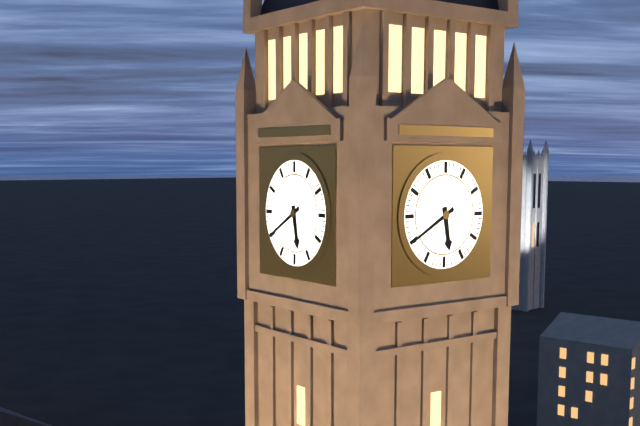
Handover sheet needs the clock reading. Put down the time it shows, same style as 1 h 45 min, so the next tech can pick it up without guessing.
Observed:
5 h 40 min
